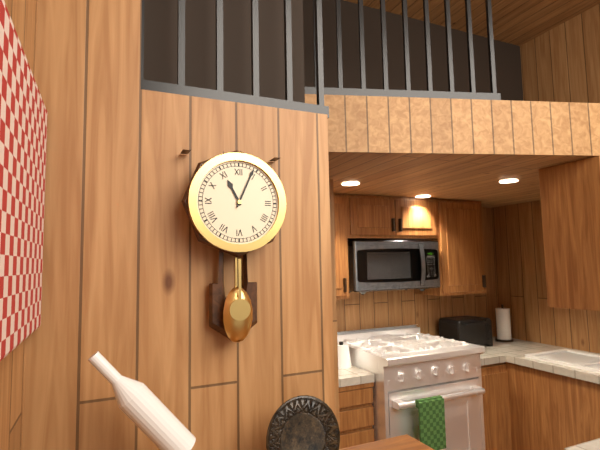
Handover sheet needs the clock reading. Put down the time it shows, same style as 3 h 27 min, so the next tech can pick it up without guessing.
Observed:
11 h 04 min
